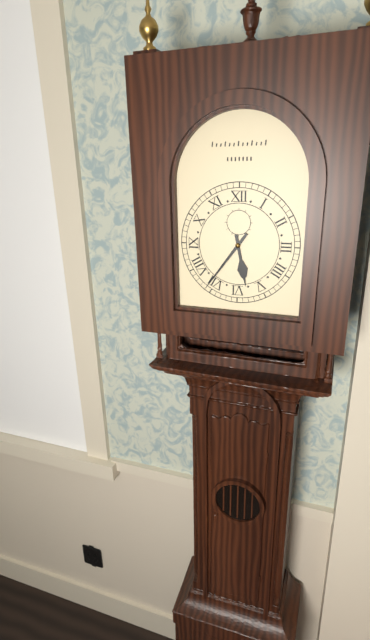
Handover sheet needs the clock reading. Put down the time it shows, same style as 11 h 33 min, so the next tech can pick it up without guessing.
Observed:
5 h 36 min
